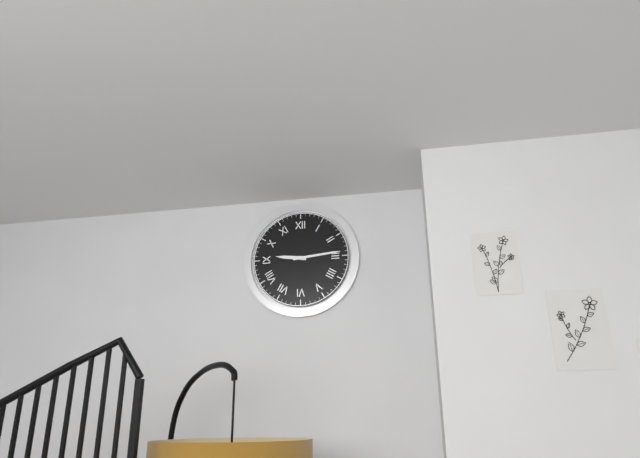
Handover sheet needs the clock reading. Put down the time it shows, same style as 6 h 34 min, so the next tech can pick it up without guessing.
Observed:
9 h 14 min
